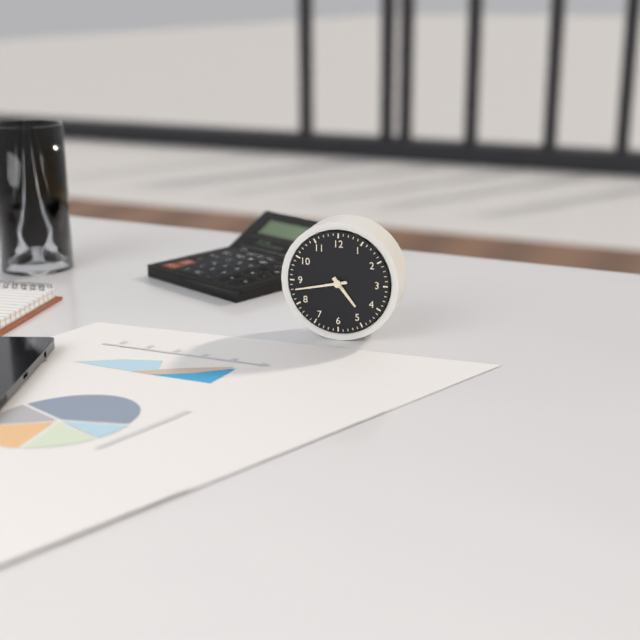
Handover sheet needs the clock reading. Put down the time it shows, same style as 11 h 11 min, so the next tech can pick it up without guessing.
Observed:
4 h 43 min
